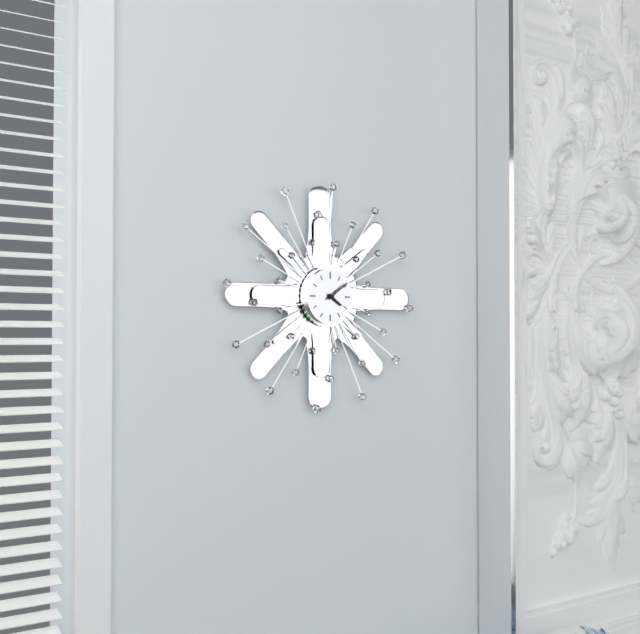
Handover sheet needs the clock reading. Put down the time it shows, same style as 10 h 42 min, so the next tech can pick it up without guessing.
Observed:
4 h 09 min
